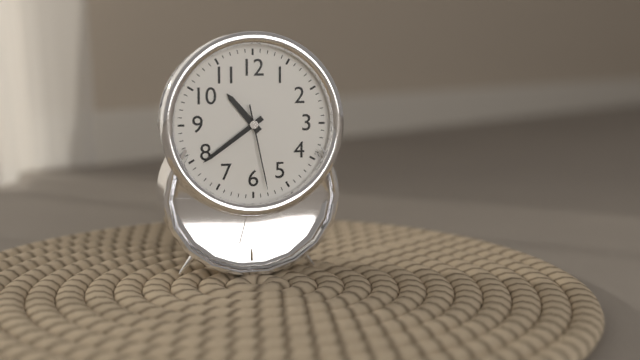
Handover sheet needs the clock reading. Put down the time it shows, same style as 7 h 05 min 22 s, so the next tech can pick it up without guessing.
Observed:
10 h 39 min 28 s
